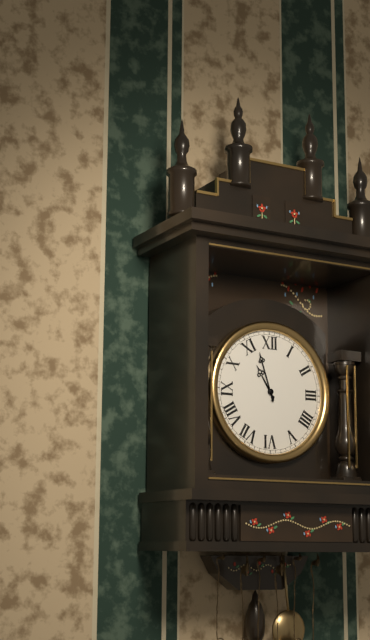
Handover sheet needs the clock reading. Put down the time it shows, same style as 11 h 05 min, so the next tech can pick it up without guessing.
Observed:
10 h 57 min
